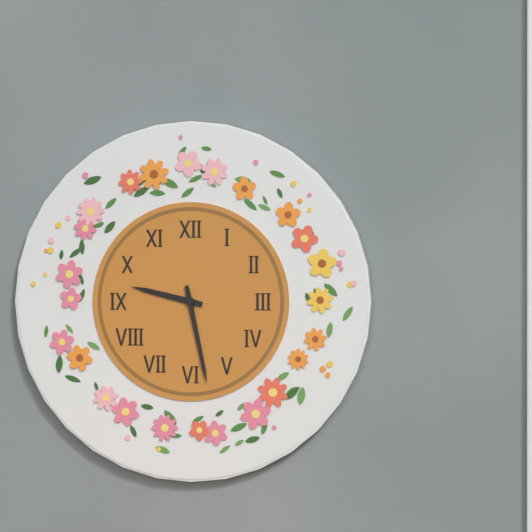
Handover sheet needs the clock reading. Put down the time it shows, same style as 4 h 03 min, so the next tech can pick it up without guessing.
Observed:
9 h 28 min
